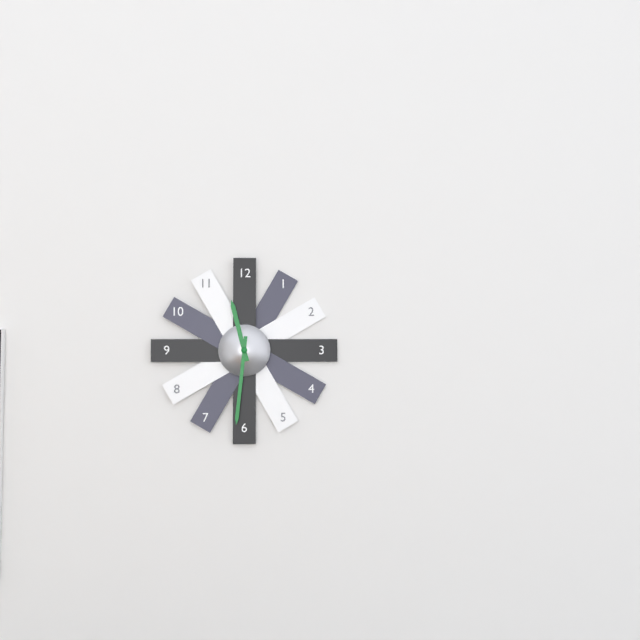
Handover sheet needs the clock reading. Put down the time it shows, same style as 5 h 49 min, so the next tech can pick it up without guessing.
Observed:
11 h 31 min
